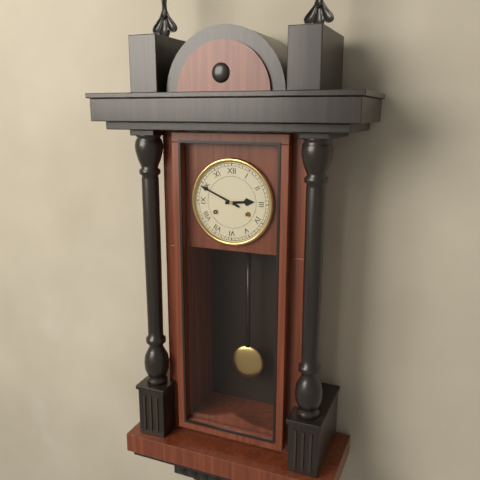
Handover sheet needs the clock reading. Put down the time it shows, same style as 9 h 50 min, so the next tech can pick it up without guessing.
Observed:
2 h 49 min
